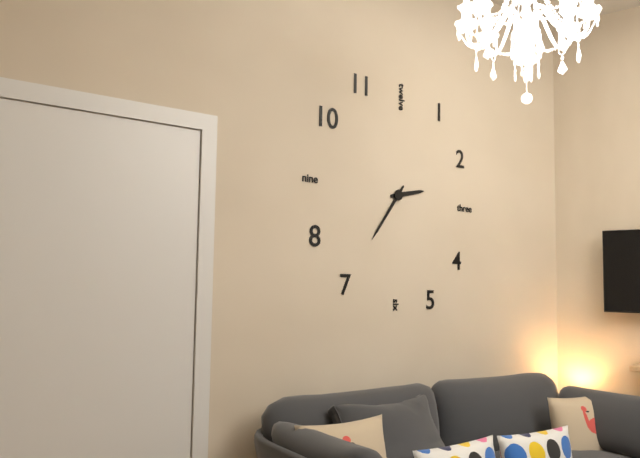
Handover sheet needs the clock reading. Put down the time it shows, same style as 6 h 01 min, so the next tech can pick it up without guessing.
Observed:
2 h 36 min
